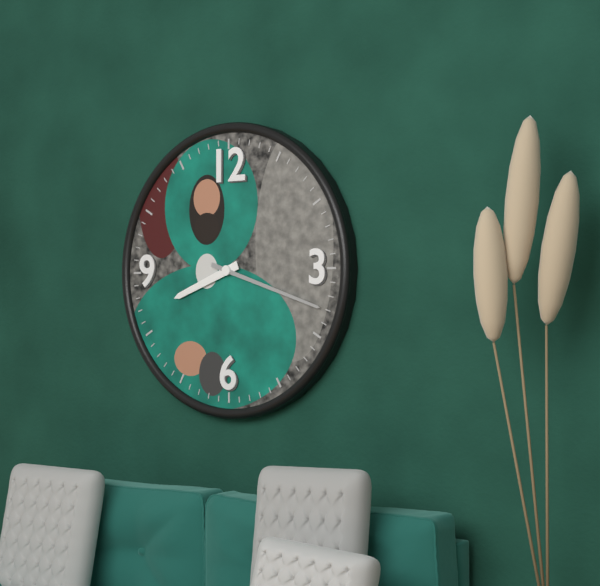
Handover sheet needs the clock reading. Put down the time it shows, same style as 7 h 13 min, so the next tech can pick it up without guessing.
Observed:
8 h 18 min
